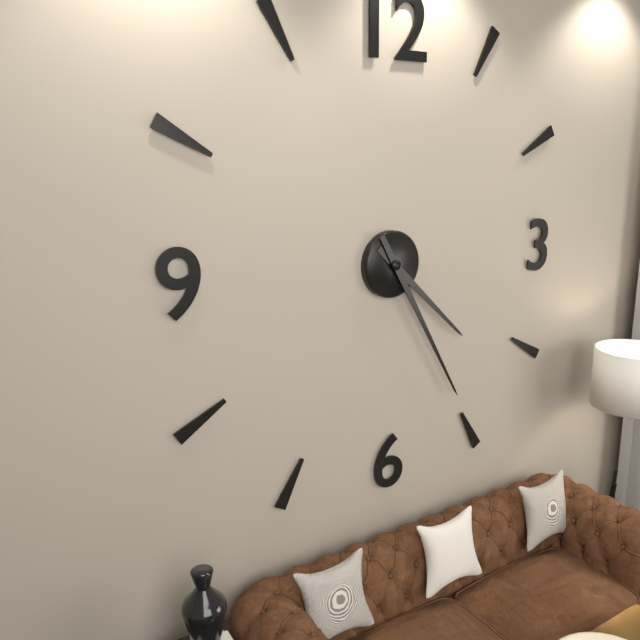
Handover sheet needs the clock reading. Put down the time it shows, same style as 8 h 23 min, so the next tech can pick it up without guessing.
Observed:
4 h 25 min
